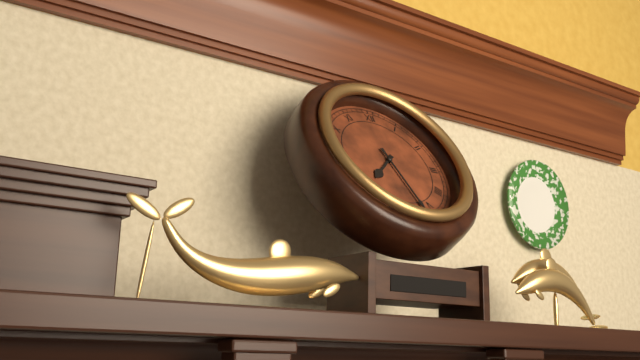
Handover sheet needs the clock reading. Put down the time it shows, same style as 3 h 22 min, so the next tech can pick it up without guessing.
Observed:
7 h 27 min
